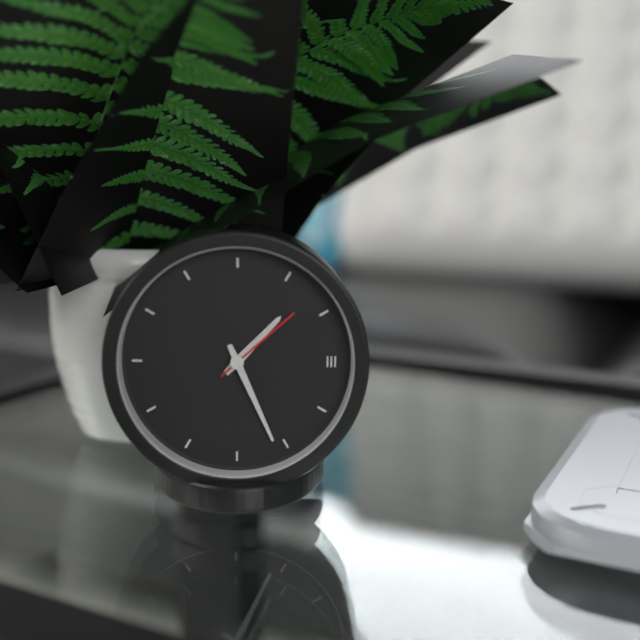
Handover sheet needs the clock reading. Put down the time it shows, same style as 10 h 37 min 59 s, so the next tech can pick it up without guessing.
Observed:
1 h 26 min 08 s
